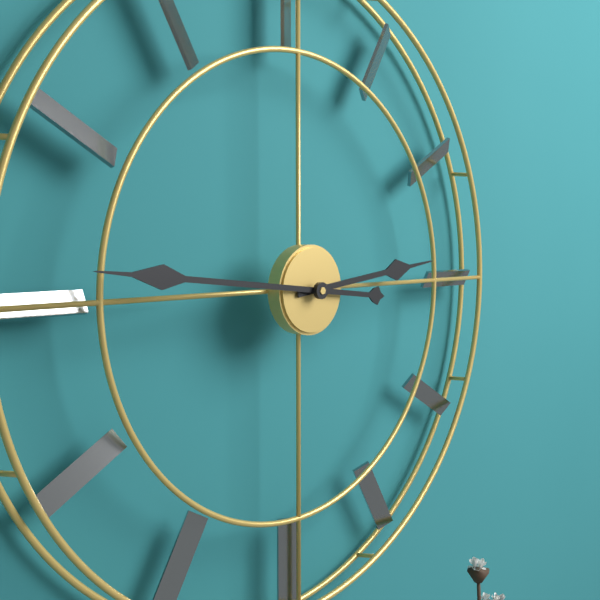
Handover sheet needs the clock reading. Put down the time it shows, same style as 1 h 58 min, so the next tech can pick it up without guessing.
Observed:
2 h 46 min
